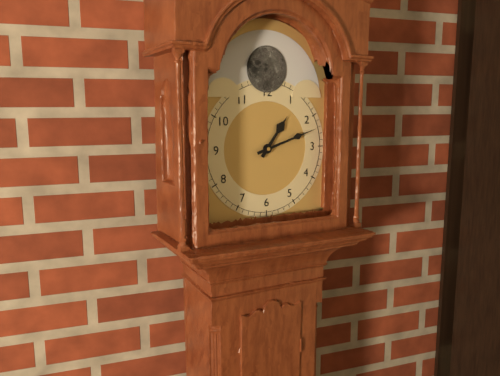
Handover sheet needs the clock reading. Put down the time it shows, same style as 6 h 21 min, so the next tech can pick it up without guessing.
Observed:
1 h 12 min
